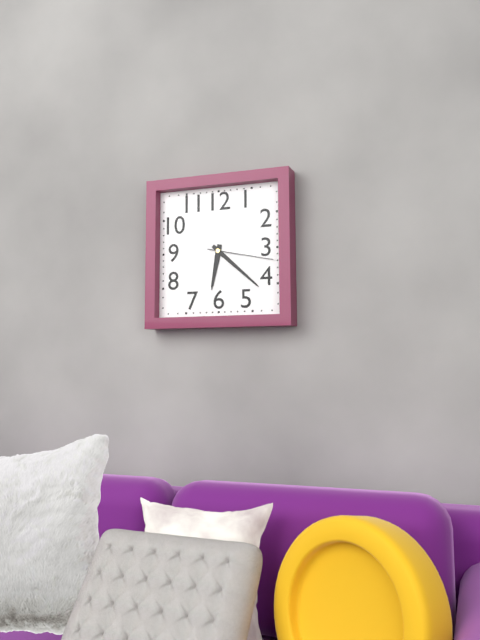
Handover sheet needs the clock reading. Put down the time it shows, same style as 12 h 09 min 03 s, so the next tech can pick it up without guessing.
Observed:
6 h 22 min 17 s
